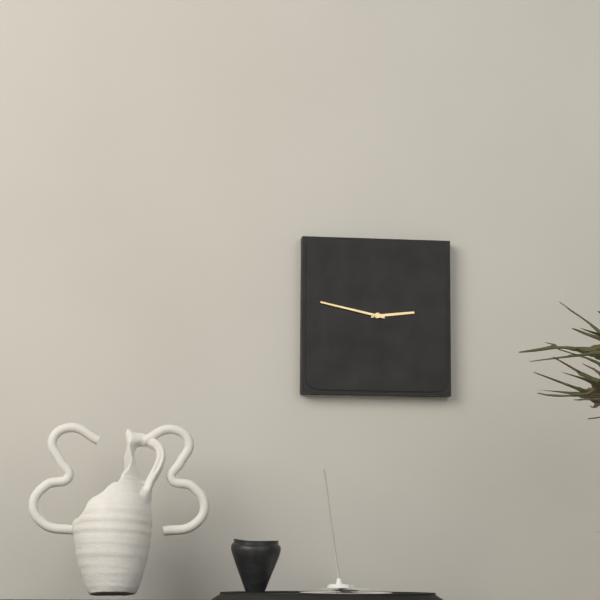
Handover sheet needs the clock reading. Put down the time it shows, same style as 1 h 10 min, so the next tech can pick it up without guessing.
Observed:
2 h 47 min
